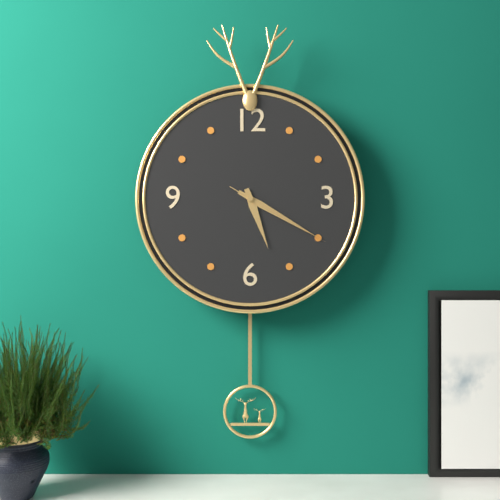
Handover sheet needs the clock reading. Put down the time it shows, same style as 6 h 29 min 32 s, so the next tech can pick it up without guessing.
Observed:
5 h 20 min 20 s
